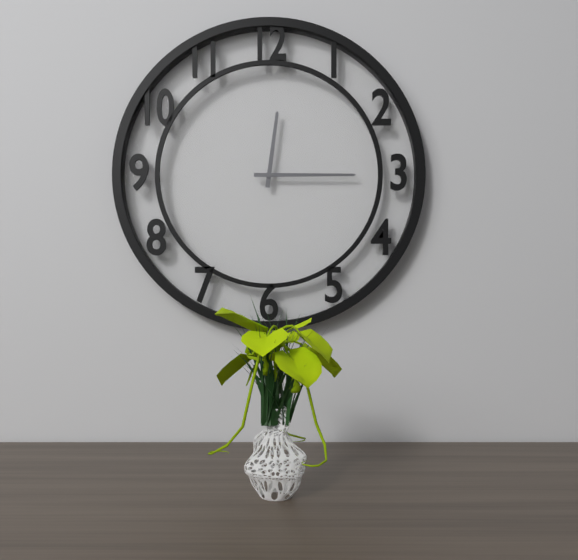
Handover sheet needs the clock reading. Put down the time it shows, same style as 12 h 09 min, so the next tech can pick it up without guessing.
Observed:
12 h 15 min
